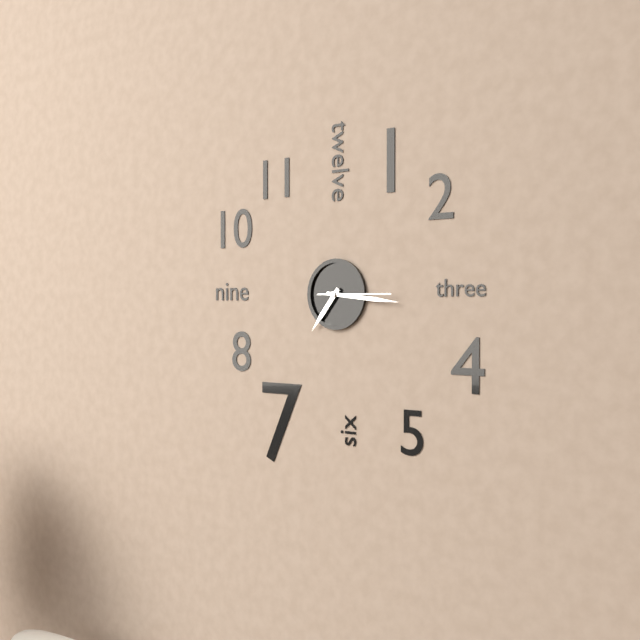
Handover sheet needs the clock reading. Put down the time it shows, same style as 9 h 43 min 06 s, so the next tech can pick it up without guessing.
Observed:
7 h 16 min 15 s
